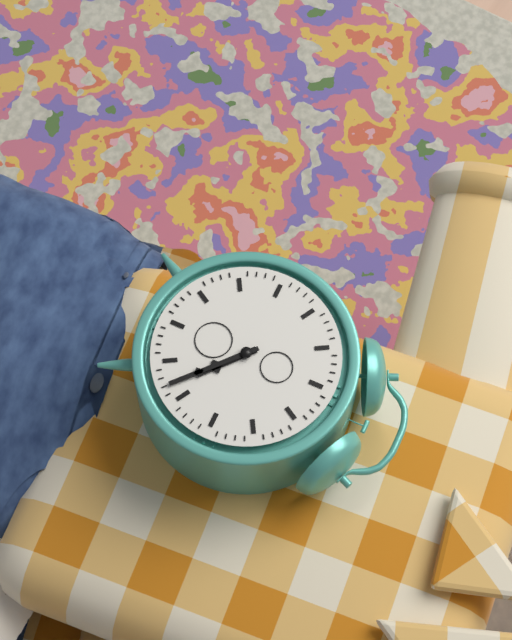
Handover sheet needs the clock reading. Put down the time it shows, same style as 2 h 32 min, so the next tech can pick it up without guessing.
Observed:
4 h 22 min
